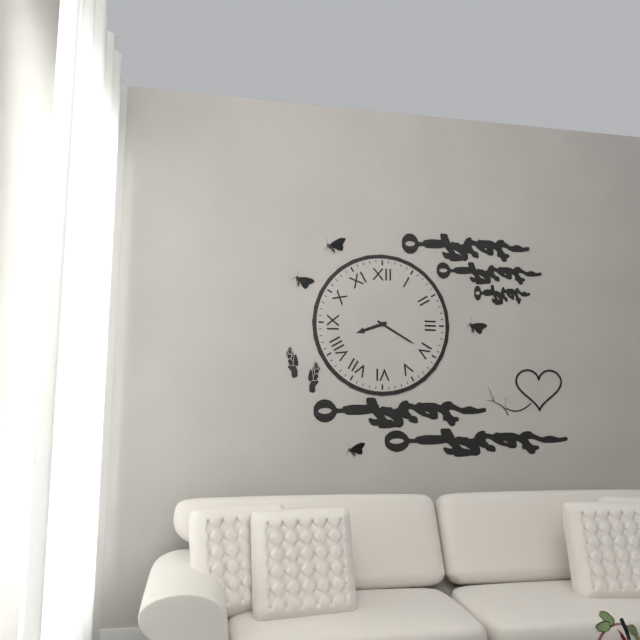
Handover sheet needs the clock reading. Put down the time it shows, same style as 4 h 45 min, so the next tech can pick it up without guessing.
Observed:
8 h 20 min
